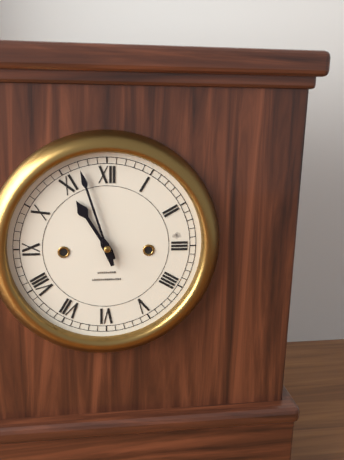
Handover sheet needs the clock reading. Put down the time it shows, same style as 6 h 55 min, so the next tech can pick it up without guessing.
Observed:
10 h 57 min
